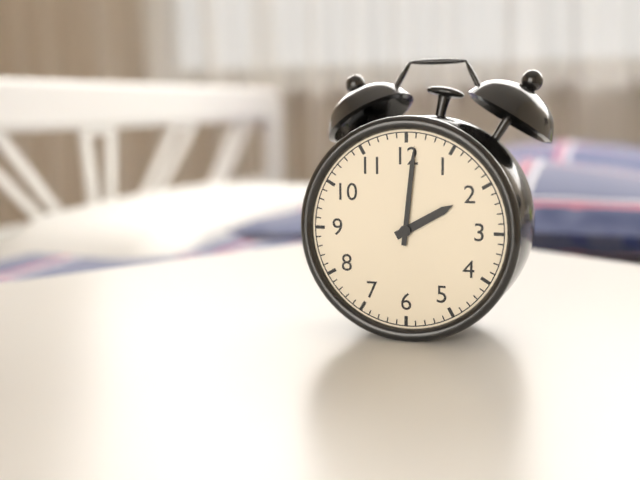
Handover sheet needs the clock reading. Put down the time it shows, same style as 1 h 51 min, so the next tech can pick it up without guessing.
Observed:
2 h 01 min
